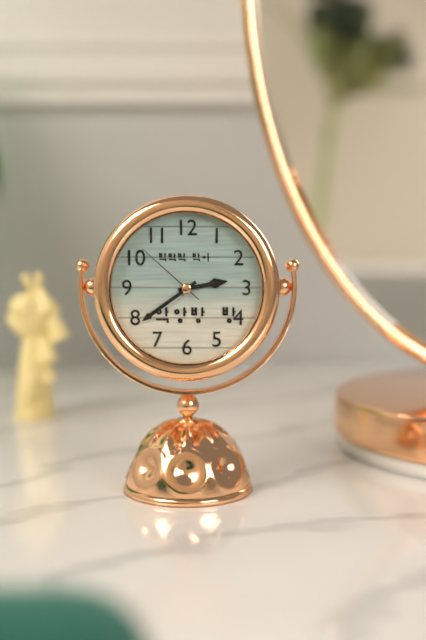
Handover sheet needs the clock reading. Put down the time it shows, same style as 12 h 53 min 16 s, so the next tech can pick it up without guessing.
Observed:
2 h 39 min 52 s
